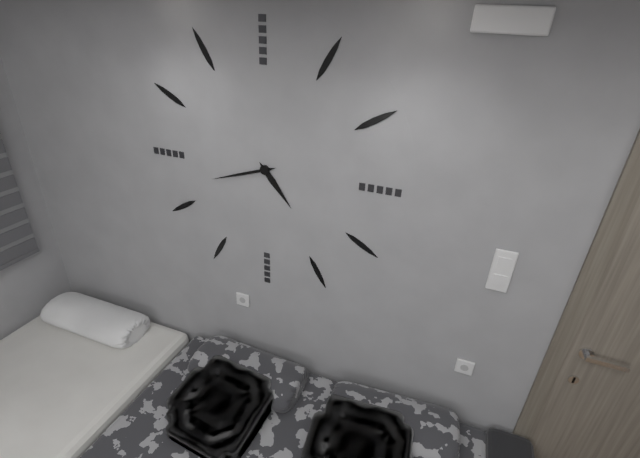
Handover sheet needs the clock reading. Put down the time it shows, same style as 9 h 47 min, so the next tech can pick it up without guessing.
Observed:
4 h 42 min
